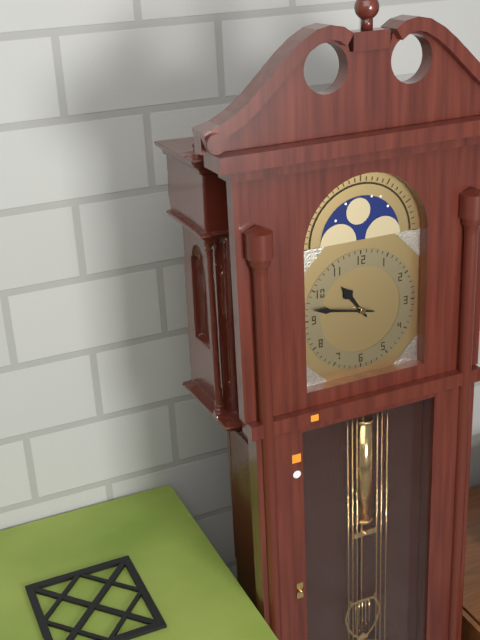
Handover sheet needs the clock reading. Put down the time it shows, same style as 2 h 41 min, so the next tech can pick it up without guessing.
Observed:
10 h 47 min
